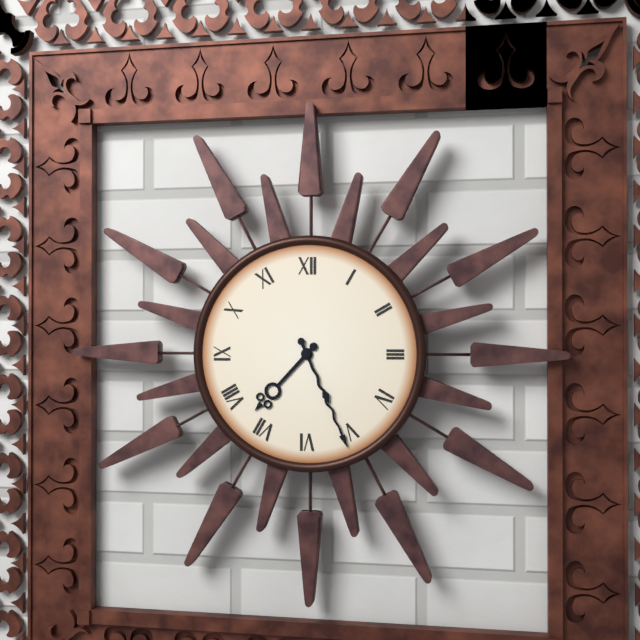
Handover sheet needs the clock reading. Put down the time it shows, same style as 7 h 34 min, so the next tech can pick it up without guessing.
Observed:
7 h 26 min
